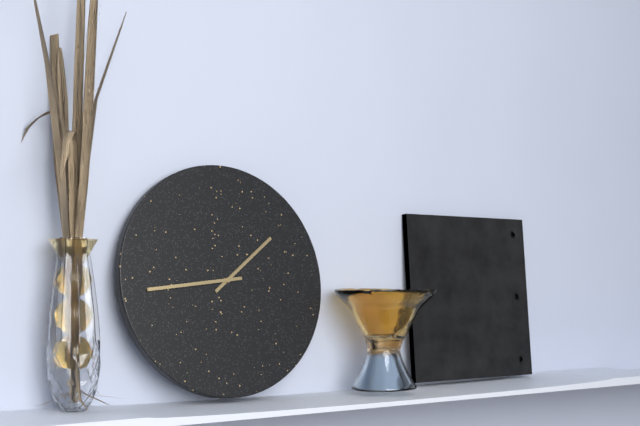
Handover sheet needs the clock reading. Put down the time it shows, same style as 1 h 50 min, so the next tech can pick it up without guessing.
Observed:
1 h 44 min
